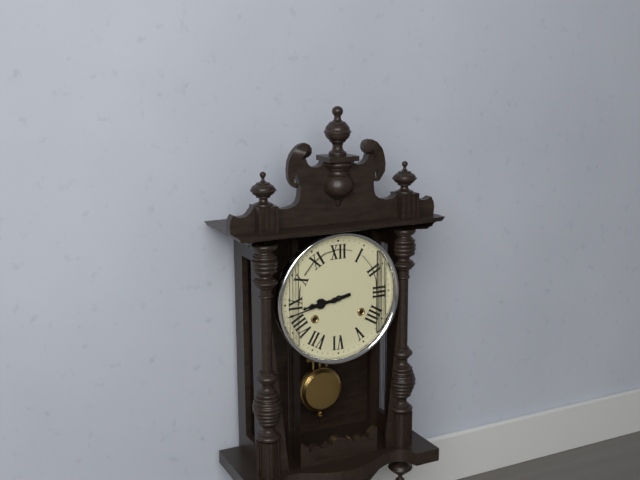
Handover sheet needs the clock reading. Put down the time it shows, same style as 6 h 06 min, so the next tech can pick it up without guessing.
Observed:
8 h 43 min
